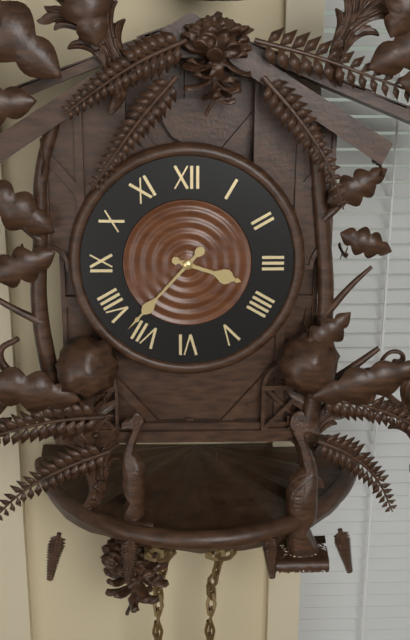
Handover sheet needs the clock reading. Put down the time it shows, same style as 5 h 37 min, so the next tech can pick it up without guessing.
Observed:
3 h 37 min
